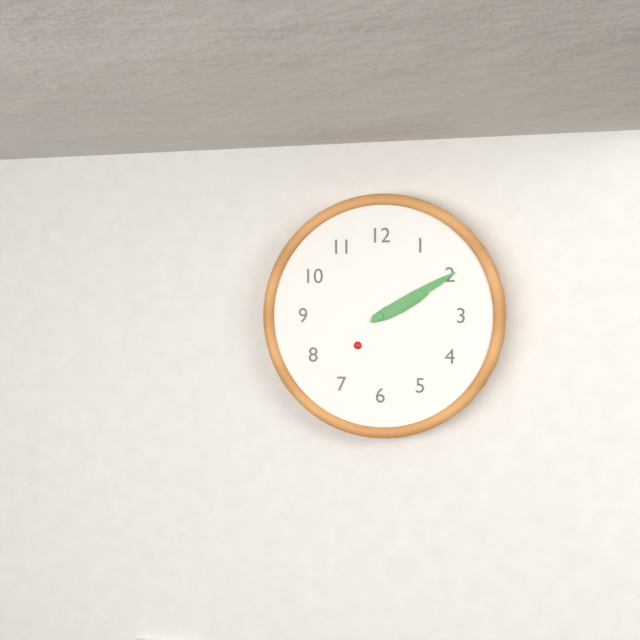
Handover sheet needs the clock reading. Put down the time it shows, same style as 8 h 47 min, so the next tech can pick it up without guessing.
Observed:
2 h 10 min
